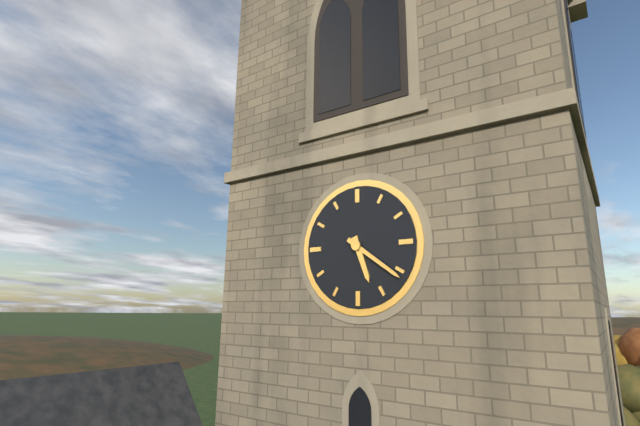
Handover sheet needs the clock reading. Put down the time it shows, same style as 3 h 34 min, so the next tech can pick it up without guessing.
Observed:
5 h 21 min
